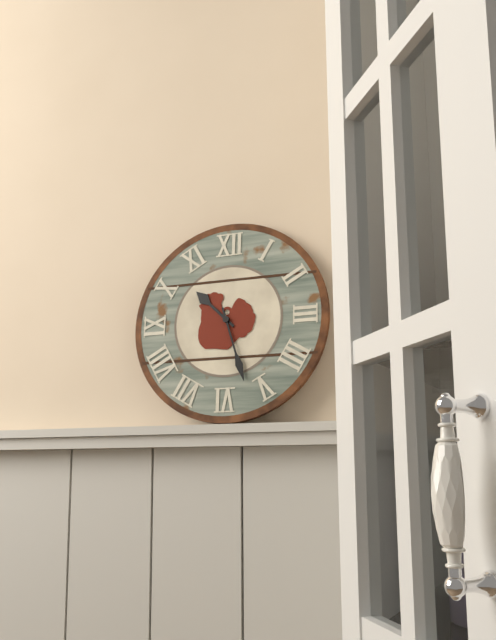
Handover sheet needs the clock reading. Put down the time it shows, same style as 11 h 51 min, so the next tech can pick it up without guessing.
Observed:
10 h 27 min
